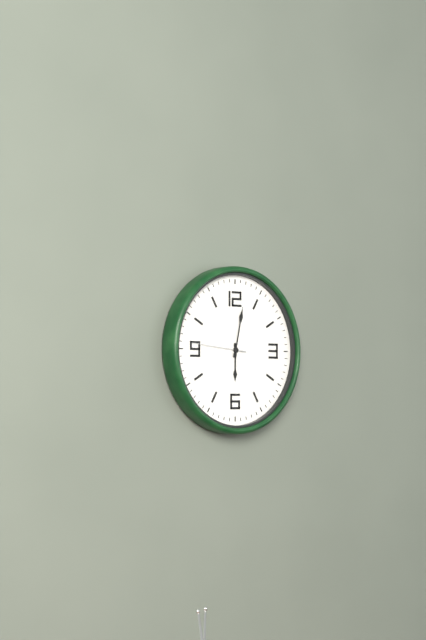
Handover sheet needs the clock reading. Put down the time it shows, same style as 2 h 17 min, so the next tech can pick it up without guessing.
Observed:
6 h 02 min
